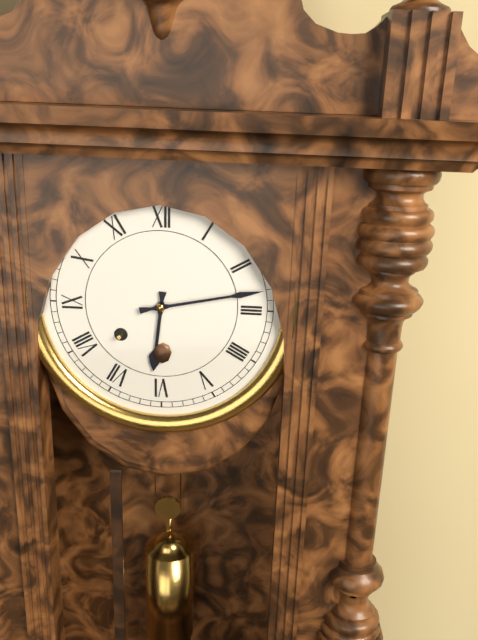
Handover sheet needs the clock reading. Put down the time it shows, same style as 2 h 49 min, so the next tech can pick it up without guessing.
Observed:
6 h 13 min
